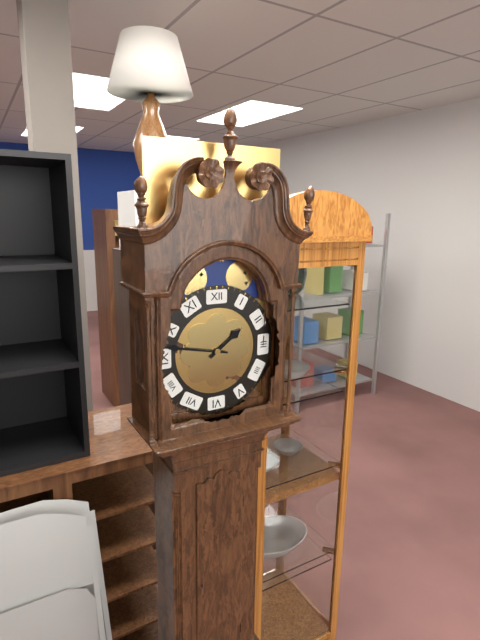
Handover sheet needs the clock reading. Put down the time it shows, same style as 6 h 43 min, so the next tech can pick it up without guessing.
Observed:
1 h 47 min
